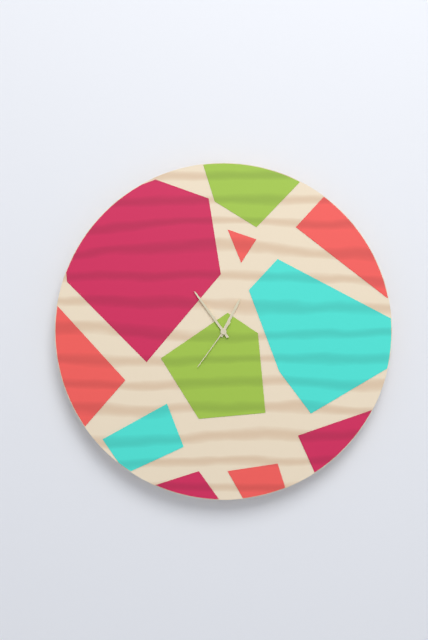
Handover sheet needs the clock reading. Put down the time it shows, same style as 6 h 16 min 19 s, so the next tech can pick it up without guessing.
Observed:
12 h 54 min 36 s
